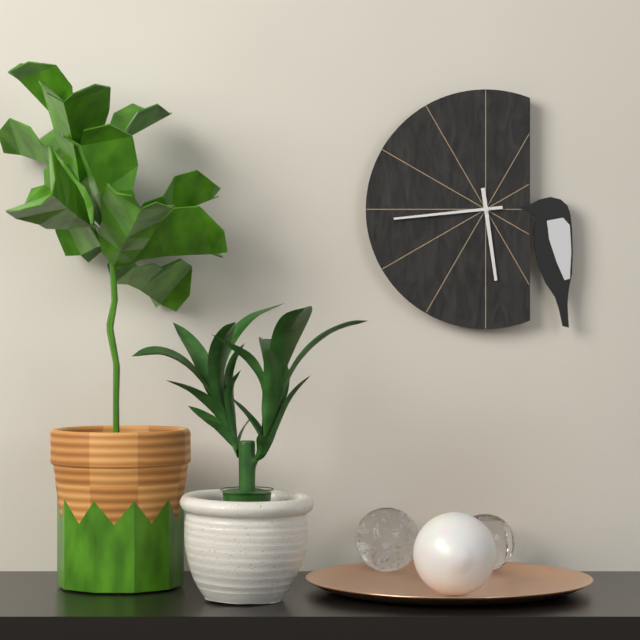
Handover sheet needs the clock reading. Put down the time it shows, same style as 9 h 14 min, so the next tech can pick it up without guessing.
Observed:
5 h 44 min
